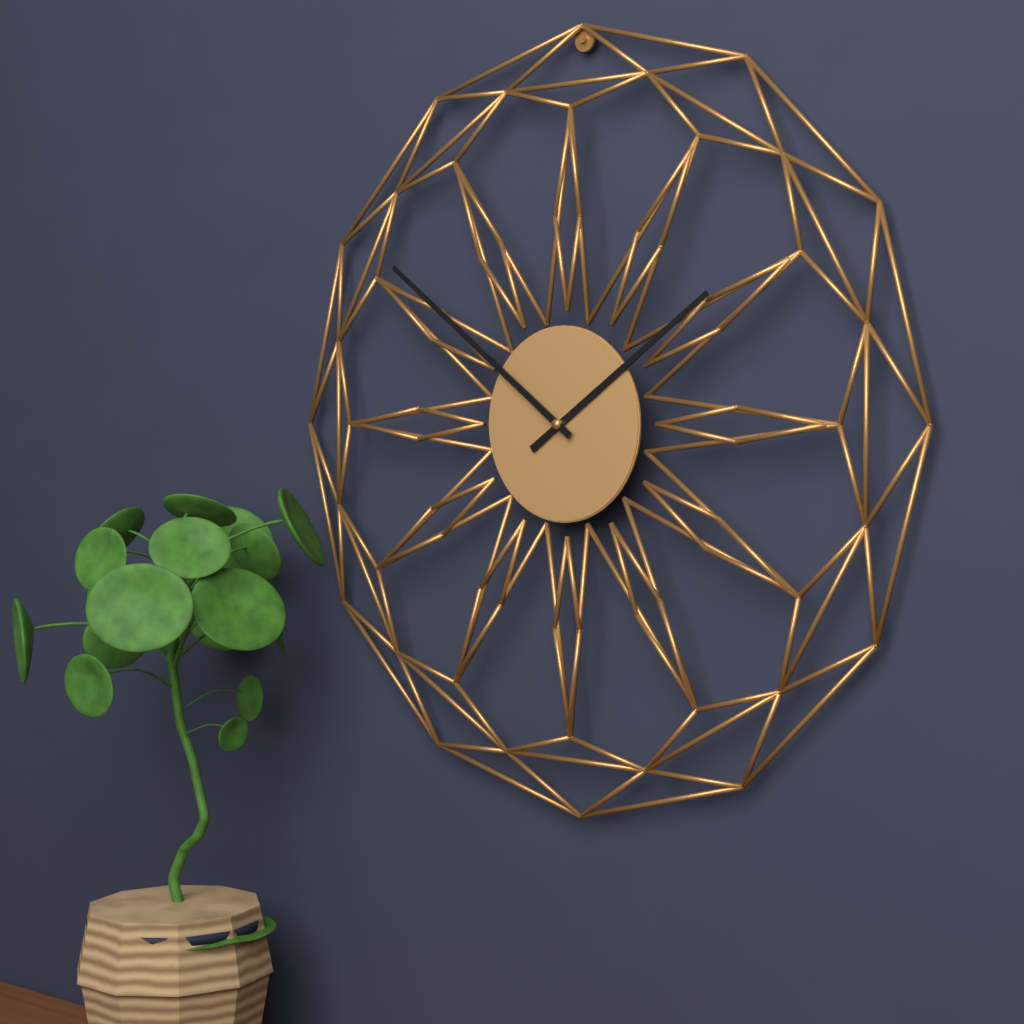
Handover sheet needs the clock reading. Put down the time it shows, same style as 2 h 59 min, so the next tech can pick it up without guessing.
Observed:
1 h 51 min
